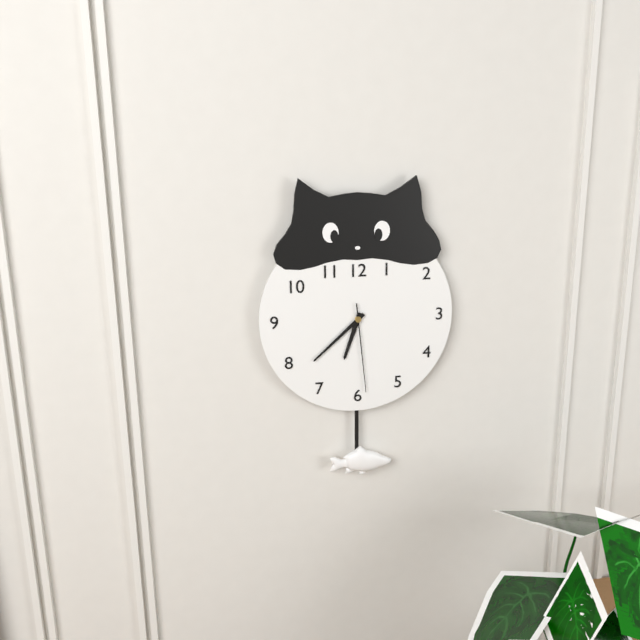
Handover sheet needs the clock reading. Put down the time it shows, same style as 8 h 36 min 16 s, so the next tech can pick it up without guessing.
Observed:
6 h 38 min 29 s
